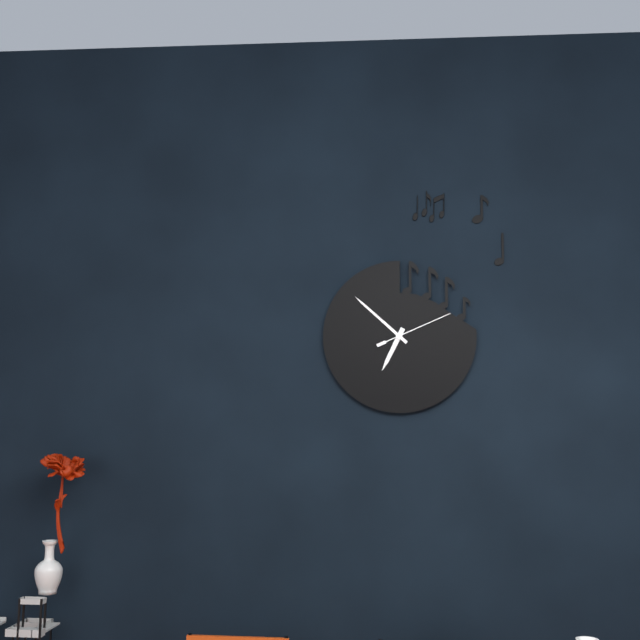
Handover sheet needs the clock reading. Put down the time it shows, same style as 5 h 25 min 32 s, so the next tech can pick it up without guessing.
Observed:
6 h 52 min 11 s
